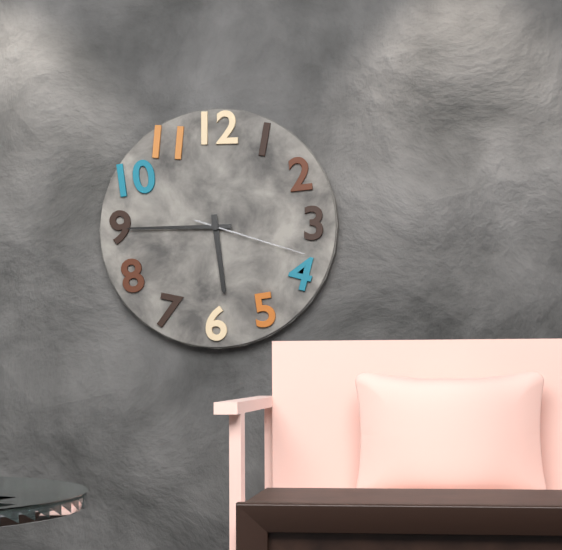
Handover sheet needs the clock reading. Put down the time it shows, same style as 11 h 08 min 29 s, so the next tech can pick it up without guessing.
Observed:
5 h 45 min 18 s
